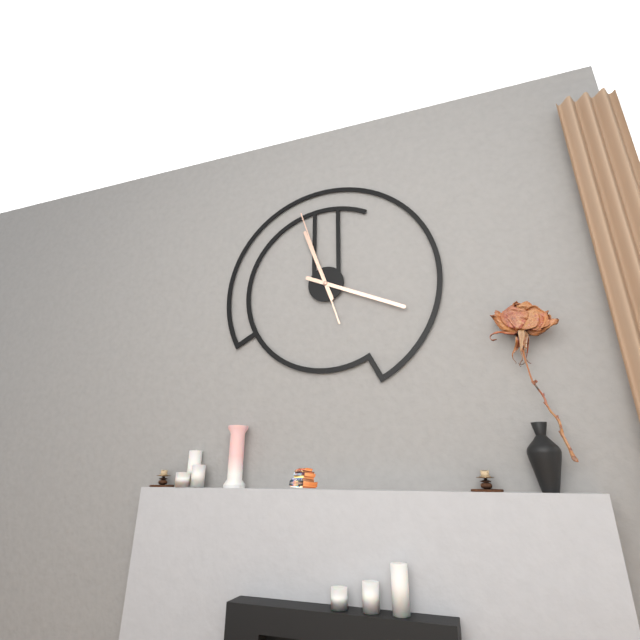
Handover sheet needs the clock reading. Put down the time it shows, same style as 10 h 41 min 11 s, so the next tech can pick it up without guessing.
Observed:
11 h 19 min 57 s
